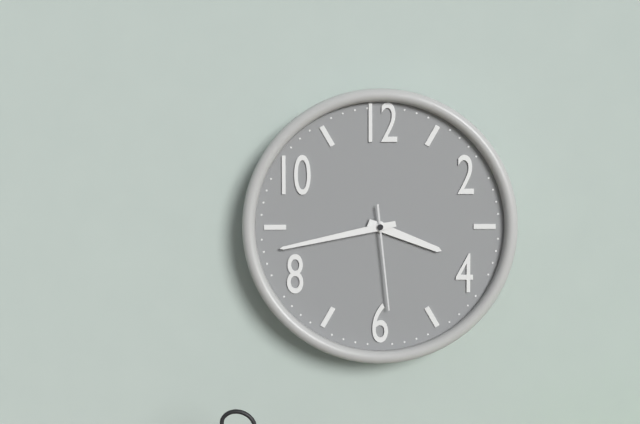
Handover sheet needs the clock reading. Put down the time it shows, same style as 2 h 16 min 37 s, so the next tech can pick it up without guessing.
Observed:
3 h 43 min 29 s
